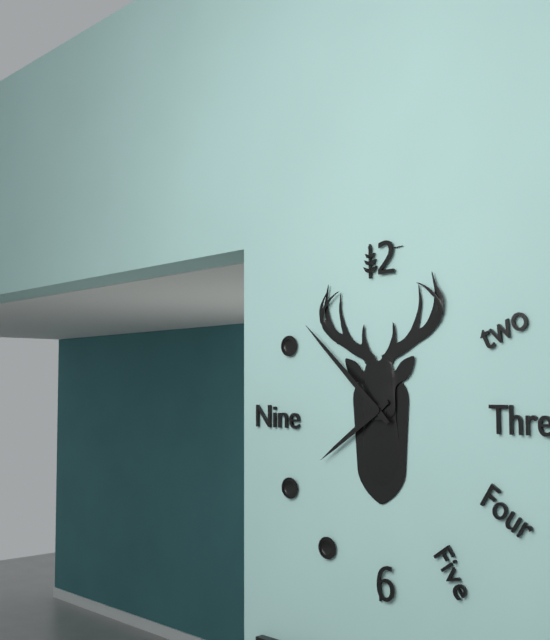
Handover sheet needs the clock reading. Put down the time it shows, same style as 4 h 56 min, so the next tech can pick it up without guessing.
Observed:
7 h 52 min
